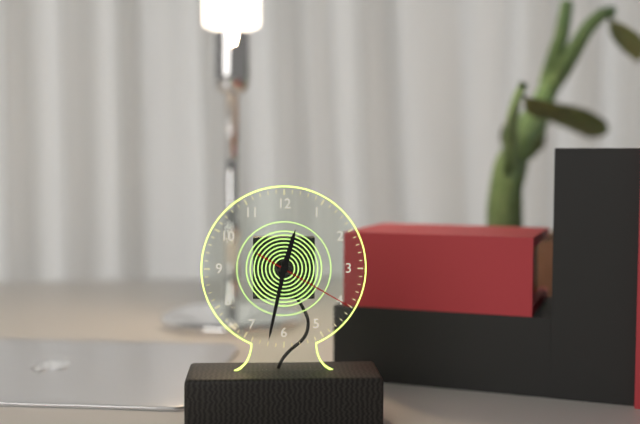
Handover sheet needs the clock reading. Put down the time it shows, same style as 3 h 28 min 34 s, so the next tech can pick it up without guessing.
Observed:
12 h 32 min 20 s
